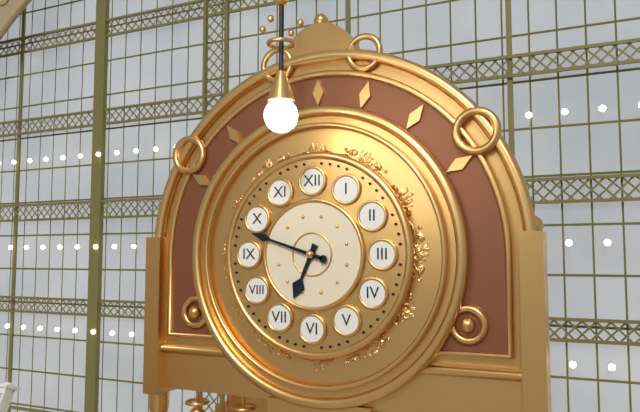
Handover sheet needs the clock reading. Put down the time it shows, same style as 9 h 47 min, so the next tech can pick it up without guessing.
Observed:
6 h 48 min
